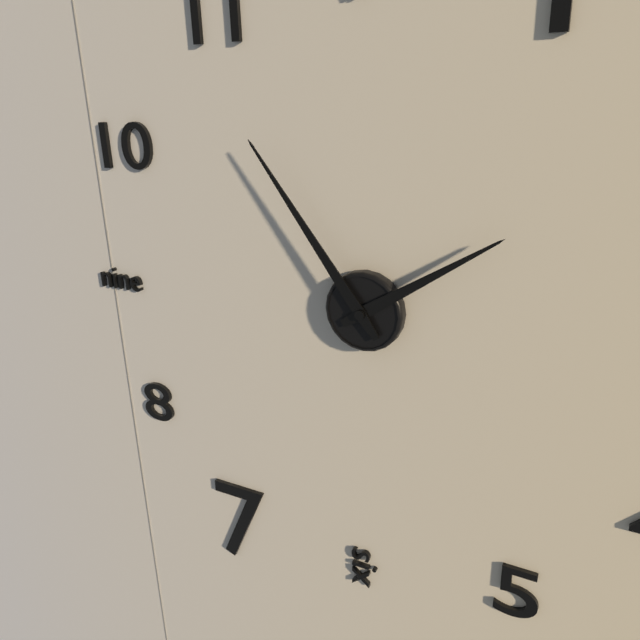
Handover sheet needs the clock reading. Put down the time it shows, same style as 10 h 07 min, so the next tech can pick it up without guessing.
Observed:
1 h 54 min
